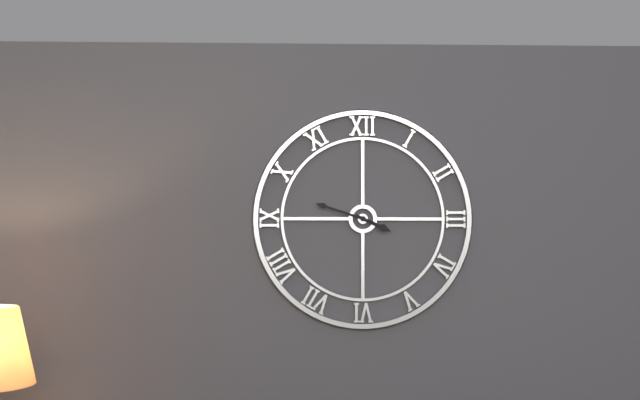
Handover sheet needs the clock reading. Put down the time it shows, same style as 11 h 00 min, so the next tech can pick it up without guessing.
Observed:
3 h 48 min
